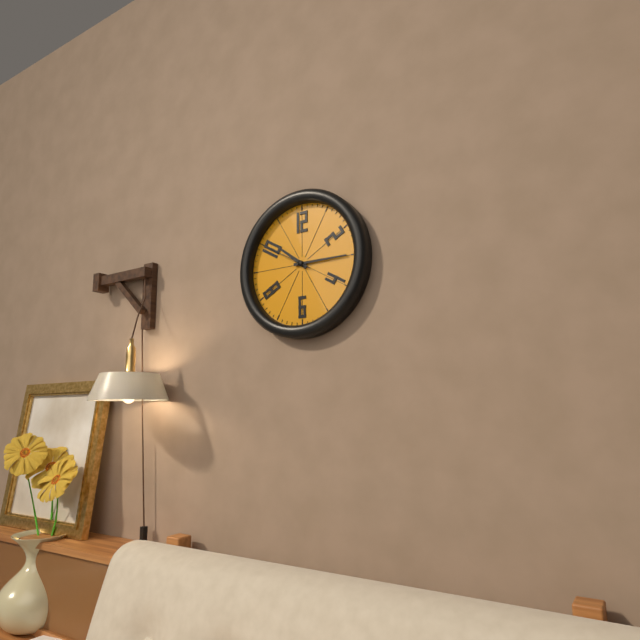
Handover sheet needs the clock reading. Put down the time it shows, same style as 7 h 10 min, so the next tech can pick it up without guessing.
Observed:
10 h 15 min
